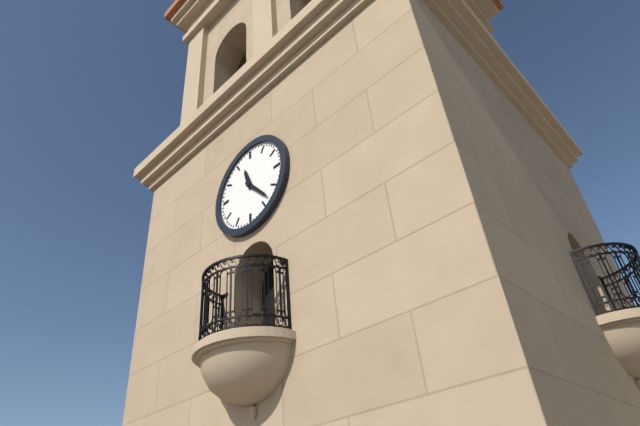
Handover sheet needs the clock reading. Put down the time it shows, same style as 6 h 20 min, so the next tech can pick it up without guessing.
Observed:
11 h 23 min
